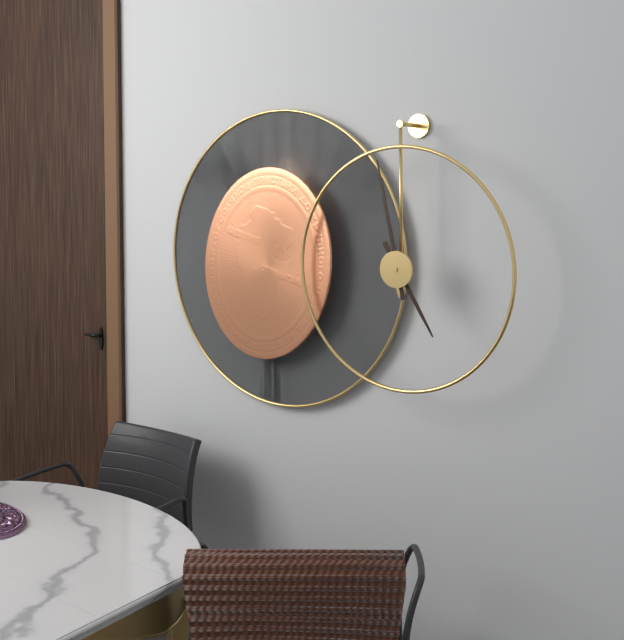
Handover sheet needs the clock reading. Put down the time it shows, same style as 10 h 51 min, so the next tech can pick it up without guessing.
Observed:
4 h 58 min
